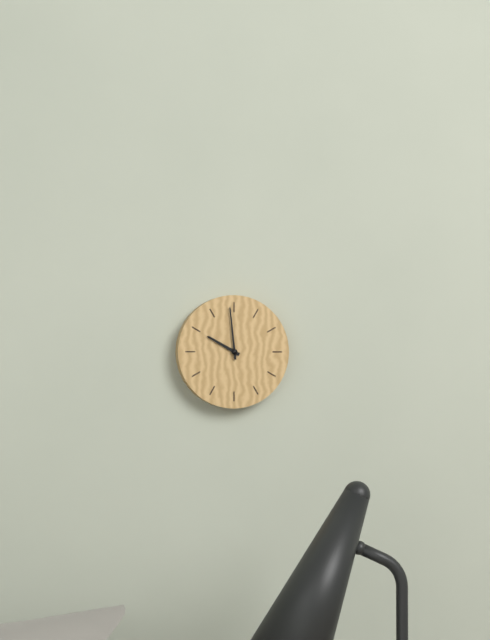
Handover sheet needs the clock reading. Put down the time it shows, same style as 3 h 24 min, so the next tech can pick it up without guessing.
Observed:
9 h 59 min
